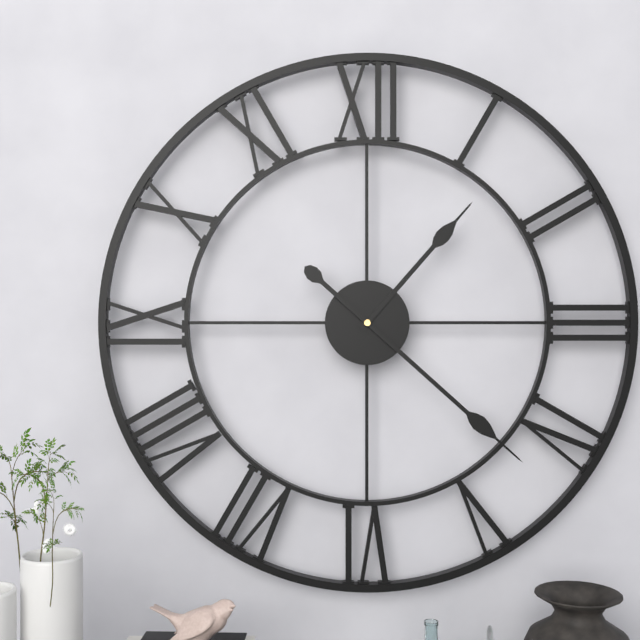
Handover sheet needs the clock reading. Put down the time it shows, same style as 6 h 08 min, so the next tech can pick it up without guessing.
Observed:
1 h 22 min
